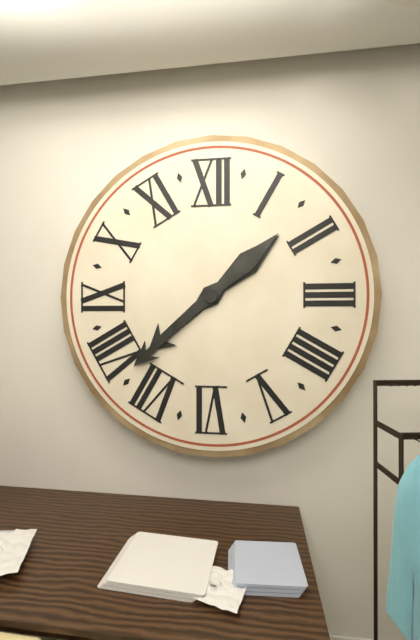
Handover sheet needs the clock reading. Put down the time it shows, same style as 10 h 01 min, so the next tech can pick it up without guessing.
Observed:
7 h 38 min
